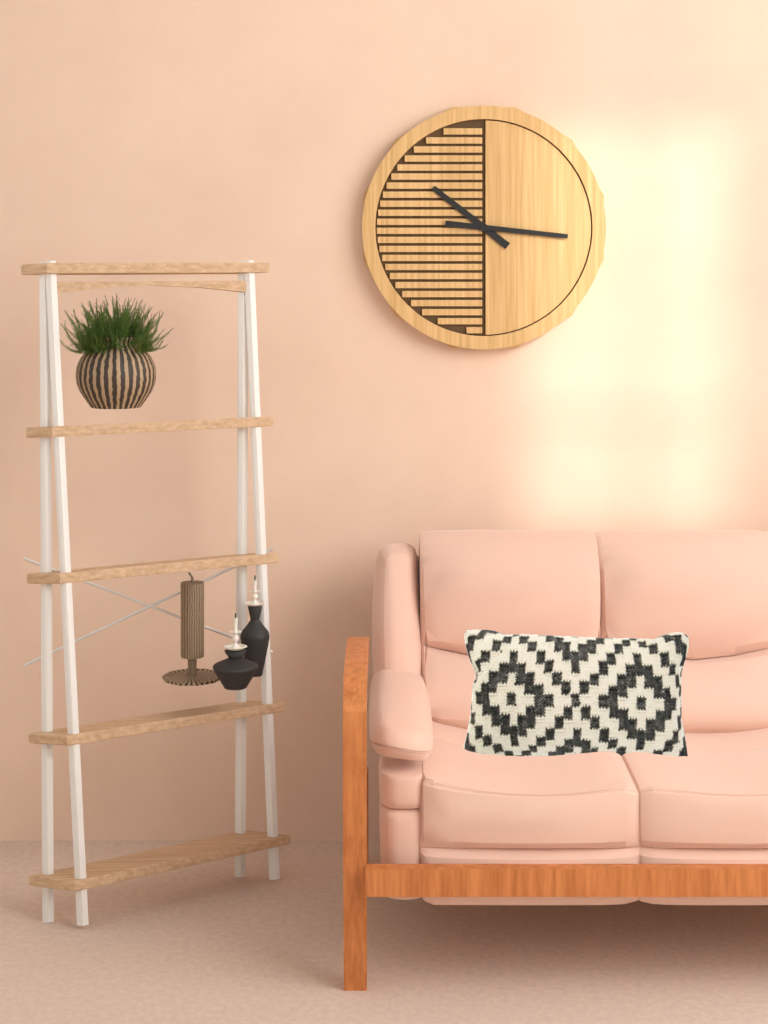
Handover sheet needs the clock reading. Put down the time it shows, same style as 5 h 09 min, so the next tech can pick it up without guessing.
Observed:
10 h 16 min
